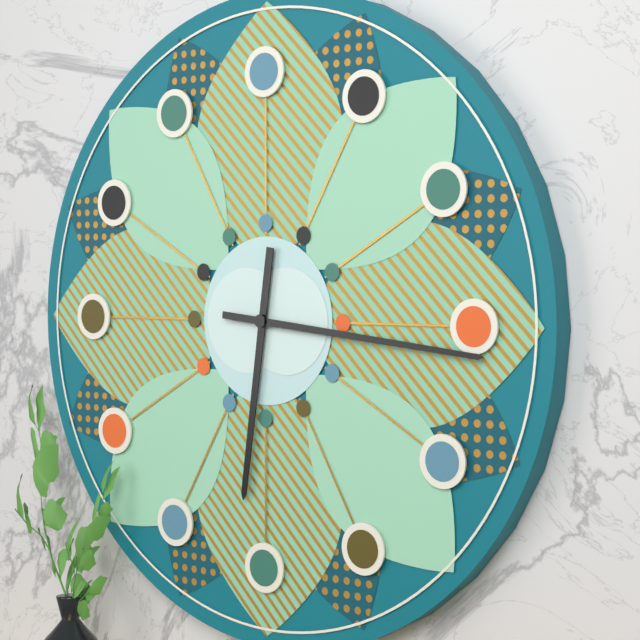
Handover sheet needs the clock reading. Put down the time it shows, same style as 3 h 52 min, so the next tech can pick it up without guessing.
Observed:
6 h 16 min
